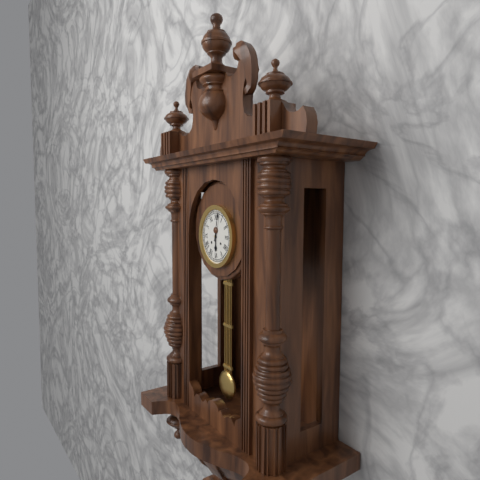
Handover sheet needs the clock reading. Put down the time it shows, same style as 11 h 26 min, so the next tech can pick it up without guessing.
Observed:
6 h 02 min
